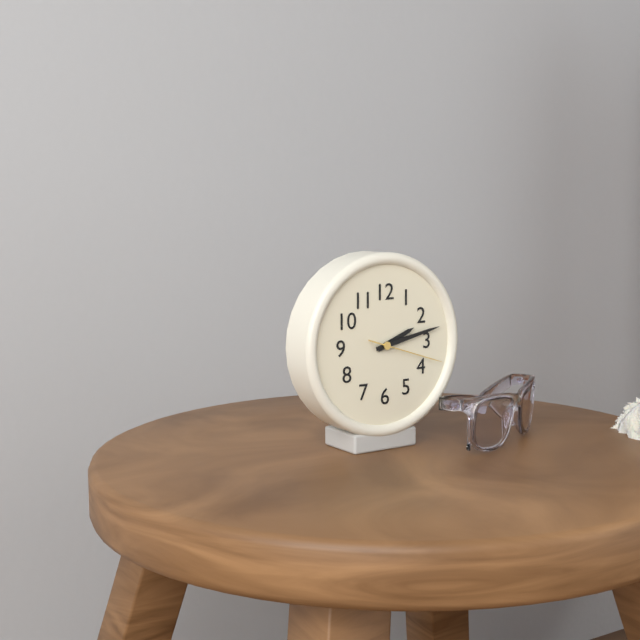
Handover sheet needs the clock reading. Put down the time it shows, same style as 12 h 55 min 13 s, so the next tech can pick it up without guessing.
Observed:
2 h 13 min 18 s
